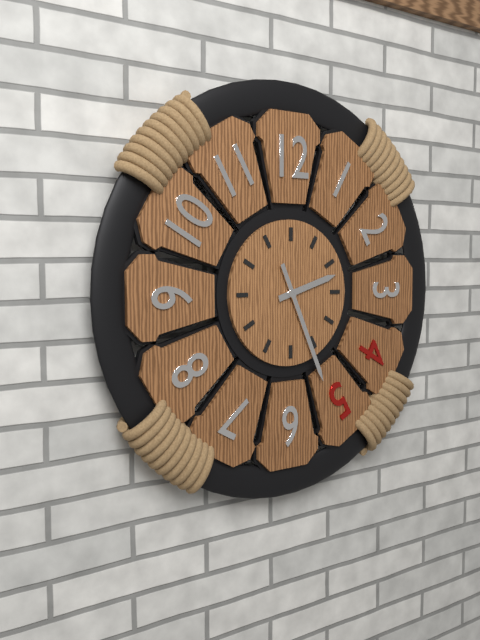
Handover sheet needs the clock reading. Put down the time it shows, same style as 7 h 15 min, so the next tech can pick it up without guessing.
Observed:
2 h 26 min
